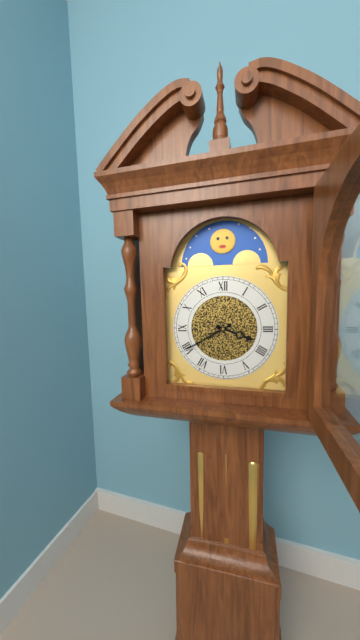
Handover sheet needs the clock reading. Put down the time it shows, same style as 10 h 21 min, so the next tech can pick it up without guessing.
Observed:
3 h 40 min
